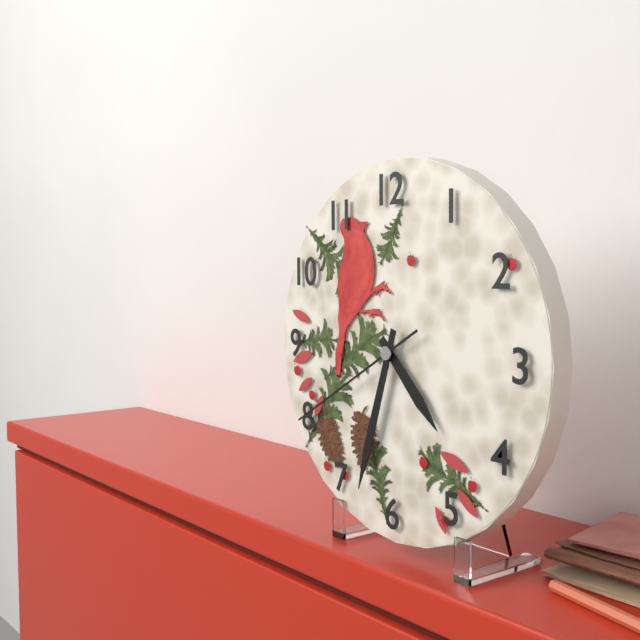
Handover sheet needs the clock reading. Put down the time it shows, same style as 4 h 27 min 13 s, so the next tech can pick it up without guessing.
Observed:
4 h 33 min 40 s
